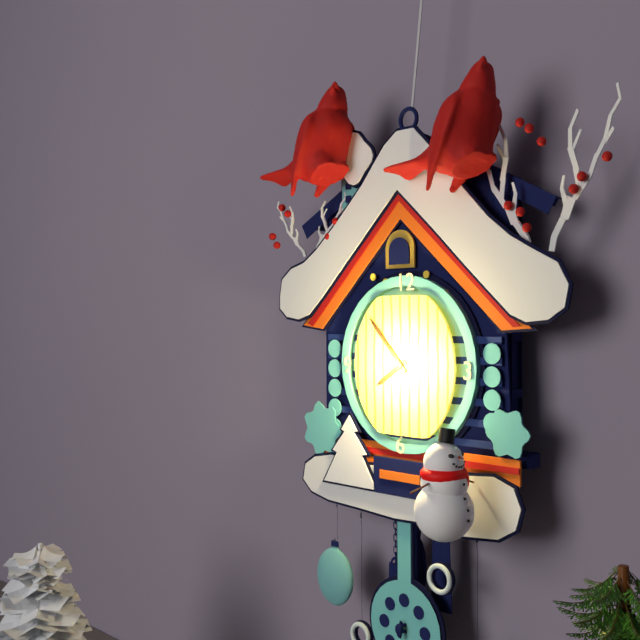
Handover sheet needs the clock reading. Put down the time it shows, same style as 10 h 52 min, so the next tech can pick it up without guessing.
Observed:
7 h 53 min
